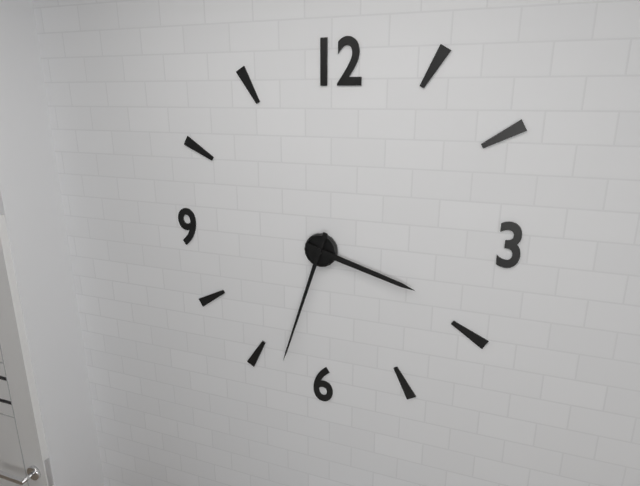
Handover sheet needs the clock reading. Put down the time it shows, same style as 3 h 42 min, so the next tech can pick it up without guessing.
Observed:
3 h 33 min
